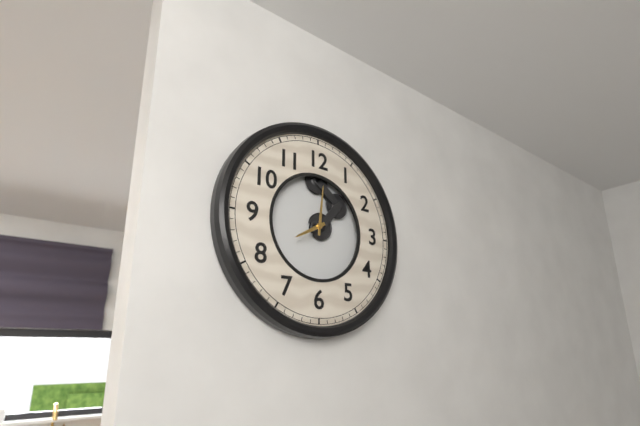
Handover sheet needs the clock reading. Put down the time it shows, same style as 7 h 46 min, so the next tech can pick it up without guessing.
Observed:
8 h 01 min
